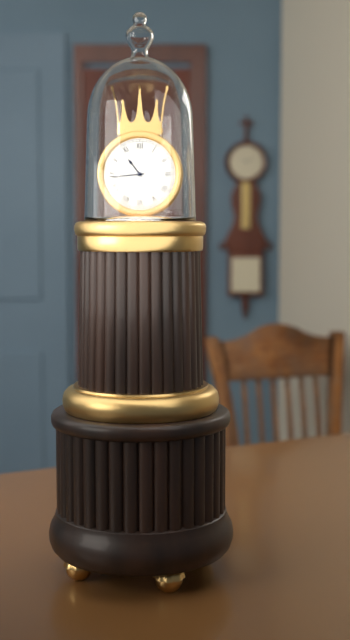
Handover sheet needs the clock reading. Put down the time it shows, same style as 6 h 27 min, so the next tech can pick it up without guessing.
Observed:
10 h 44 min
